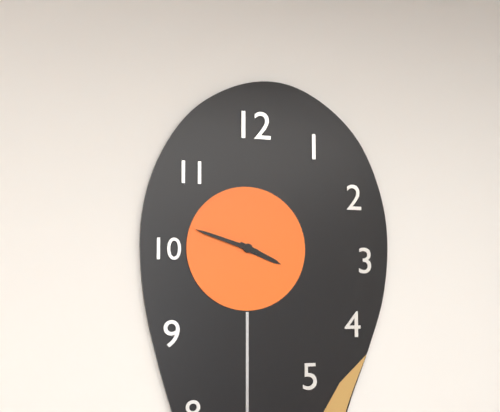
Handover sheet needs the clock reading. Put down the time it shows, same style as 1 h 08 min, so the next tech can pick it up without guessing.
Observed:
3 h 48 min
